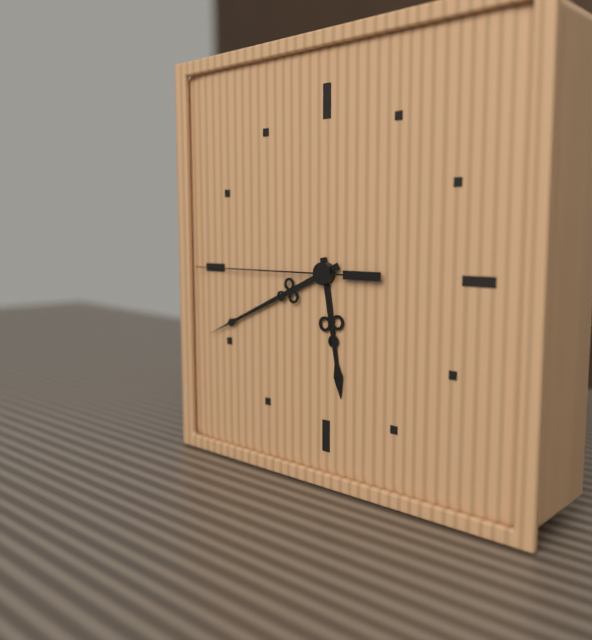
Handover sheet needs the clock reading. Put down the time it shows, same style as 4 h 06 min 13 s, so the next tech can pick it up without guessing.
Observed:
5 h 41 min 45 s
